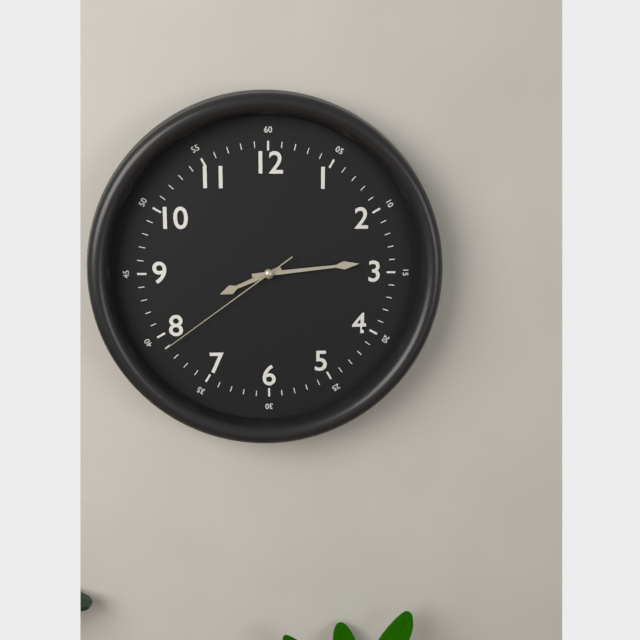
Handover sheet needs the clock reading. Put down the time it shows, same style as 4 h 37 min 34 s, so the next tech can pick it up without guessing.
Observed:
8 h 14 min 39 s
